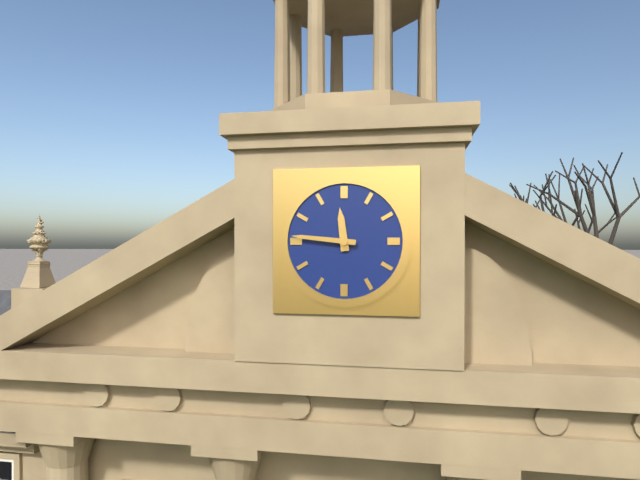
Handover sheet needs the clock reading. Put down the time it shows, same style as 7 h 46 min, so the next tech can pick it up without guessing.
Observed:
11 h 46 min
